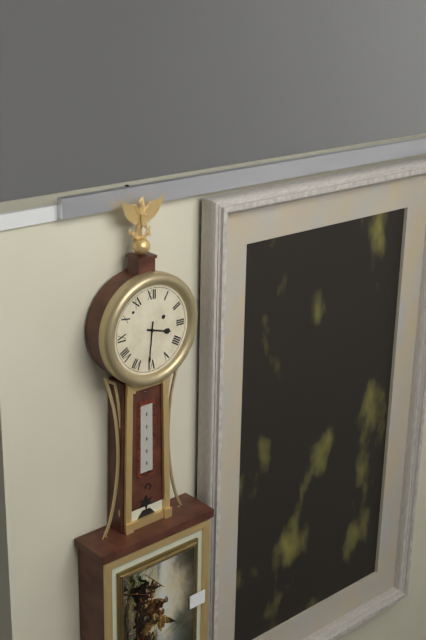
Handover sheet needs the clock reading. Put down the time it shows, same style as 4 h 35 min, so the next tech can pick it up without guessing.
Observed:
3 h 31 min
